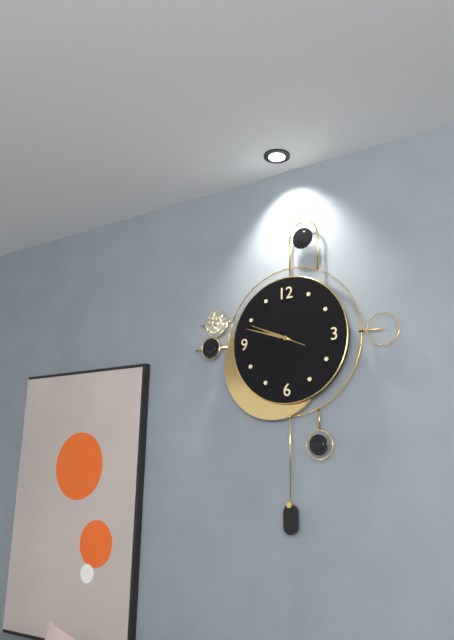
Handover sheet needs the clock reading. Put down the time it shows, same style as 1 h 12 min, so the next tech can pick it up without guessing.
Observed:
9 h 48 min
